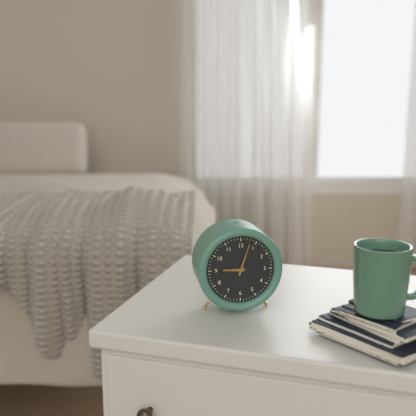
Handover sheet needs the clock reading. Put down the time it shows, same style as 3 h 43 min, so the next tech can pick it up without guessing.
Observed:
9 h 03 min
